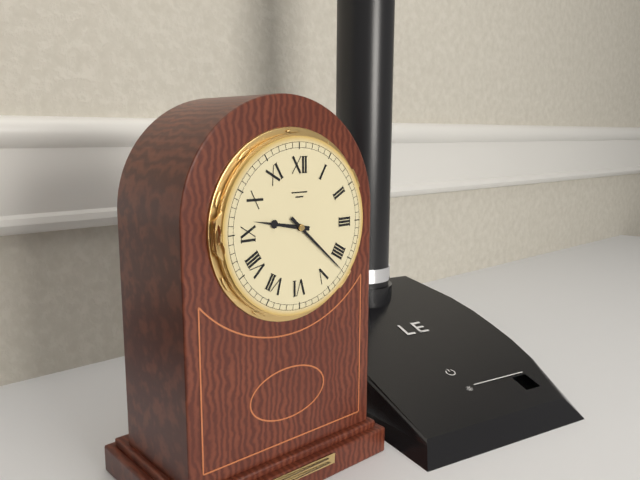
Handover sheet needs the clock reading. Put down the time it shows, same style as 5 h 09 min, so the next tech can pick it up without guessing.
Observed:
9 h 22 min
